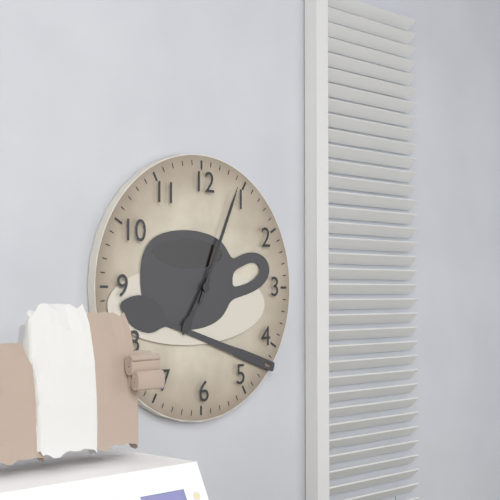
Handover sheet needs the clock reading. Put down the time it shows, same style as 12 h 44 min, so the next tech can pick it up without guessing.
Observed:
7 h 04 min
